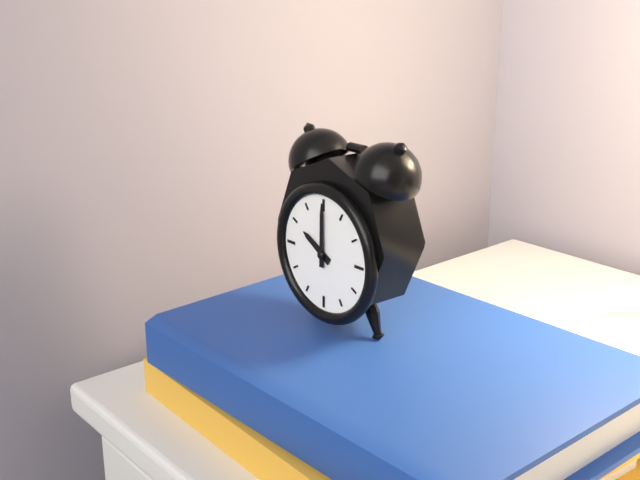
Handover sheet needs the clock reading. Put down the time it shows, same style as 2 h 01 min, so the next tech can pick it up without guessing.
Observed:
10 h 00 min
